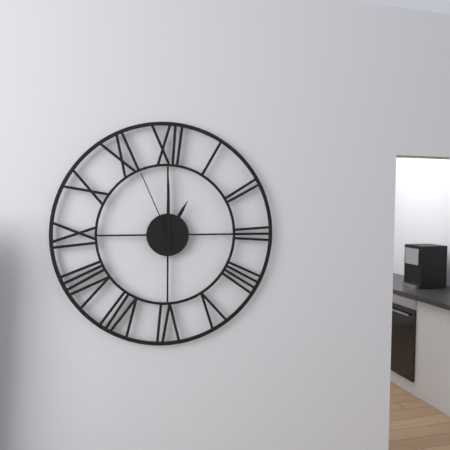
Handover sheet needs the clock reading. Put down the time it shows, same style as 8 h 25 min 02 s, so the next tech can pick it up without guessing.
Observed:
1 h 00 min 56 s
